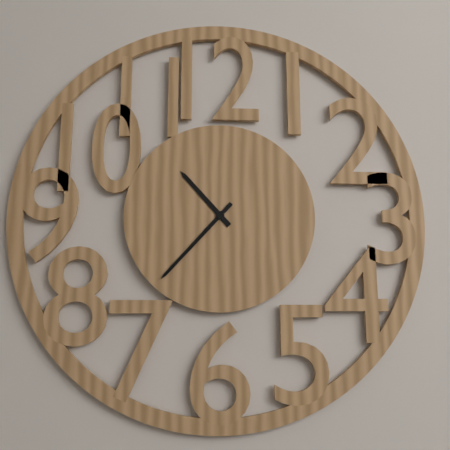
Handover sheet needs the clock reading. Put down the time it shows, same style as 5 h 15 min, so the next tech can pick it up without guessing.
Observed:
10 h 37 min
